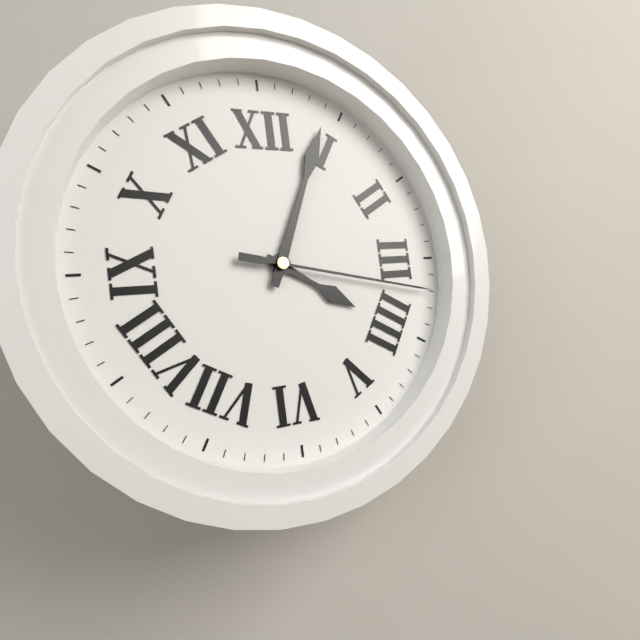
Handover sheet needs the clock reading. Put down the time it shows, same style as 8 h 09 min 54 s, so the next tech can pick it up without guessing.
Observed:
4 h 04 min 17 s
